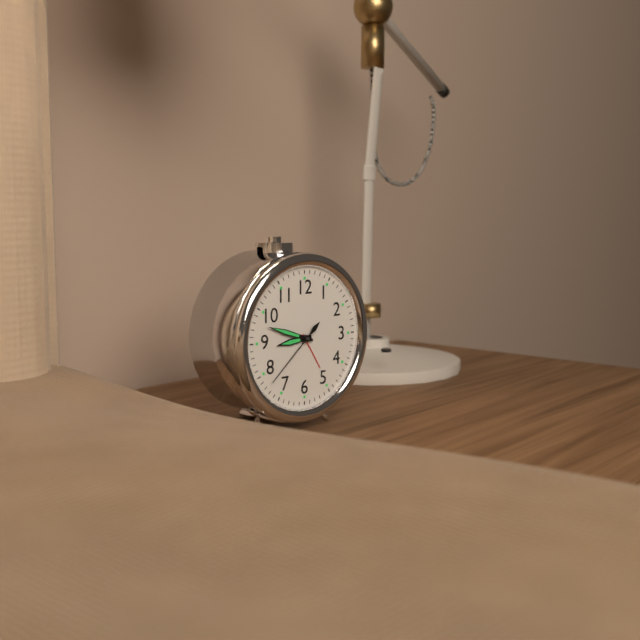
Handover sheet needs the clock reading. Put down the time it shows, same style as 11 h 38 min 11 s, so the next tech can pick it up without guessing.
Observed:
8 h 48 min 38 s
